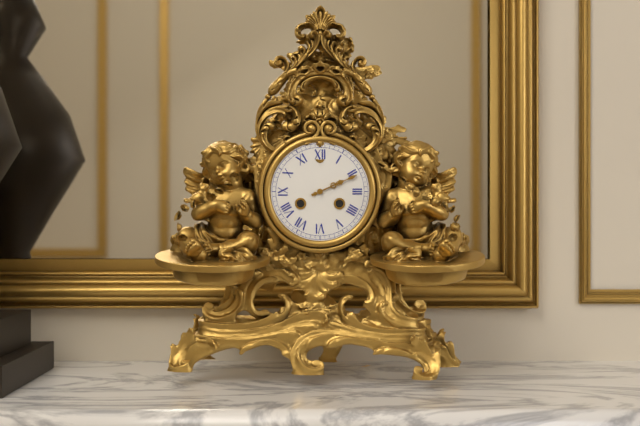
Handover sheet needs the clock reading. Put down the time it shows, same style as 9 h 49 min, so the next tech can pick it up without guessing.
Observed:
2 h 11 min
